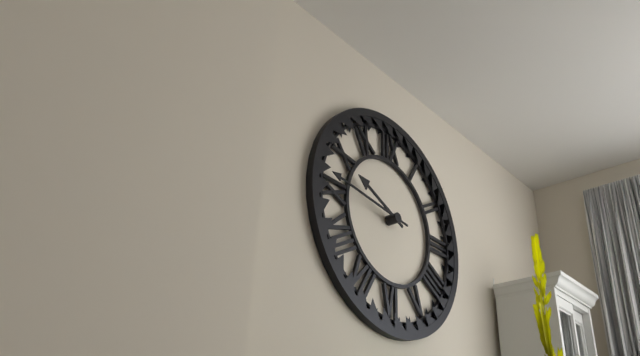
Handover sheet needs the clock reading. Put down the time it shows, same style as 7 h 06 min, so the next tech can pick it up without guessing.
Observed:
9 h 46 min
